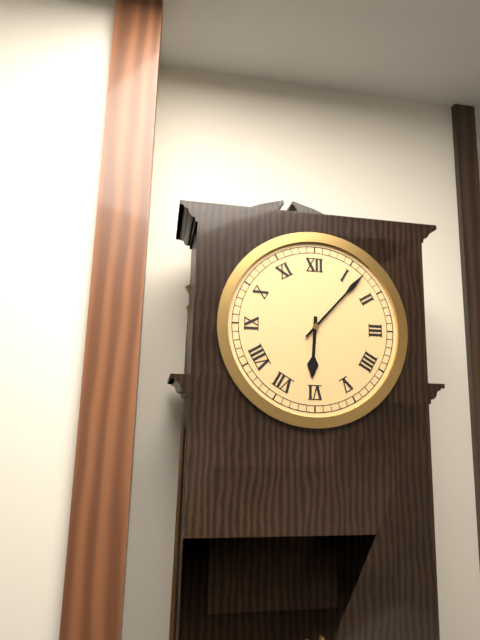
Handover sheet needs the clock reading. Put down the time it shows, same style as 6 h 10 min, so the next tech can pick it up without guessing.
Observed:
6 h 07 min
